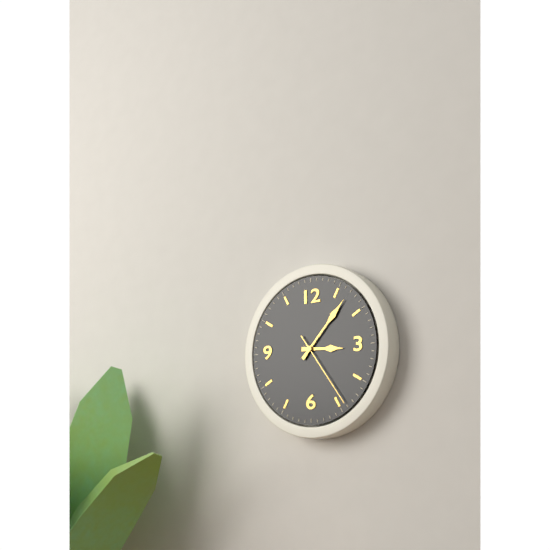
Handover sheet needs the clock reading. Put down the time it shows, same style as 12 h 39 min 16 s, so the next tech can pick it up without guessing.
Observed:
3 h 07 min 24 s
